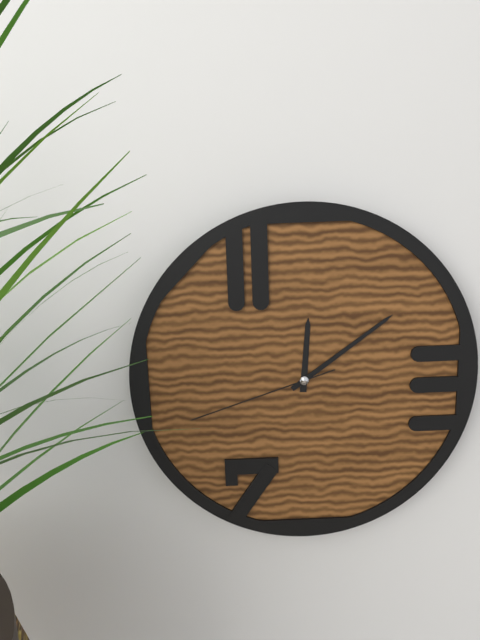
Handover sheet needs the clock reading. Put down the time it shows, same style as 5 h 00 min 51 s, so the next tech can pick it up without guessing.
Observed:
12 h 09 min 42 s
